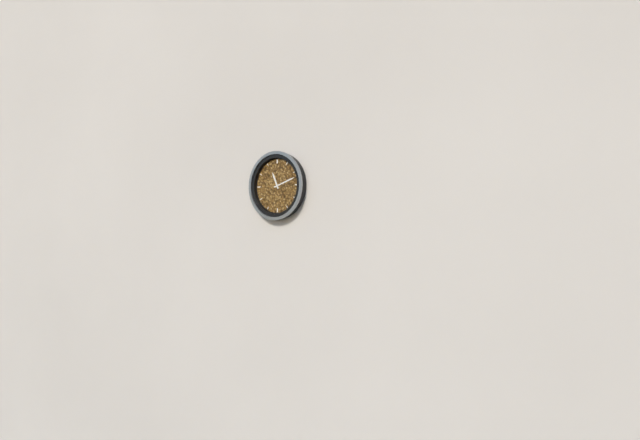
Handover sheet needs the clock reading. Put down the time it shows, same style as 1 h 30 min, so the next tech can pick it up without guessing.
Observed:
11 h 12 min
